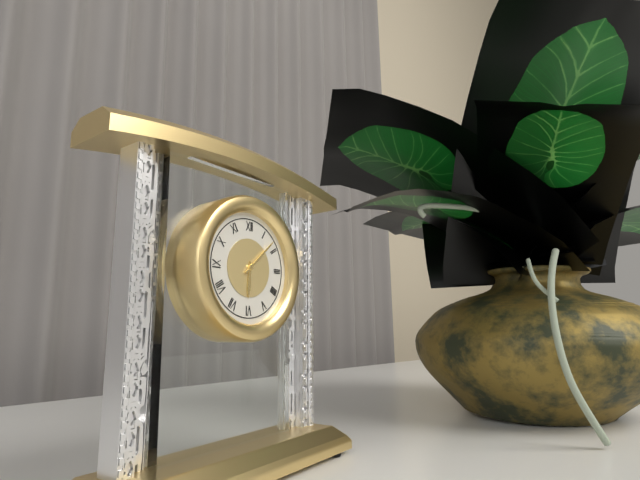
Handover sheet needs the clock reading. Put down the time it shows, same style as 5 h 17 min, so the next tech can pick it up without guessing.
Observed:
6 h 08 min
